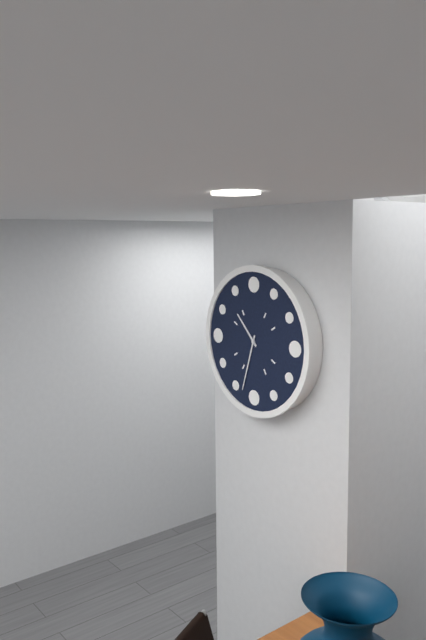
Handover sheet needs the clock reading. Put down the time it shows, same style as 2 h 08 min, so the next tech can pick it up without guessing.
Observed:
10 h 33 min
